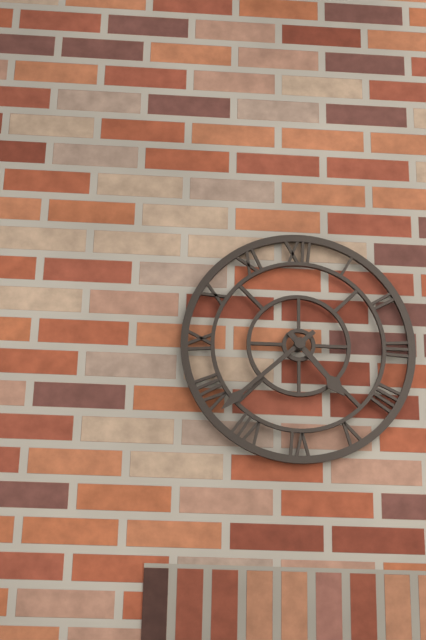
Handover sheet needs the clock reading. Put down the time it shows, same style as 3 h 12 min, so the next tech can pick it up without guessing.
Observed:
4 h 38 min
